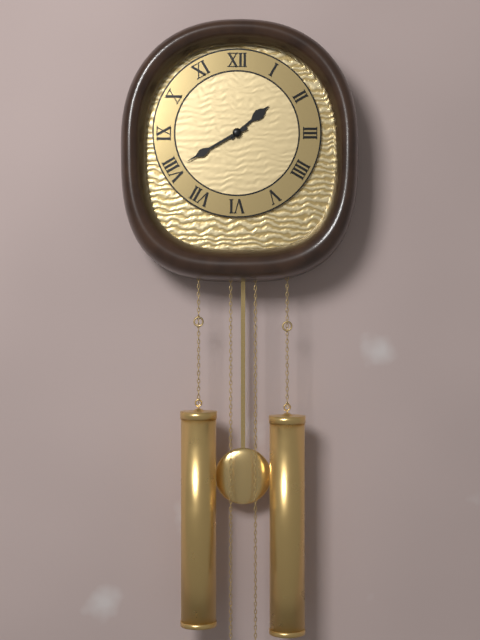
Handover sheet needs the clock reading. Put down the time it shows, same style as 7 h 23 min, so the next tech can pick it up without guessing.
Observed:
1 h 40 min
